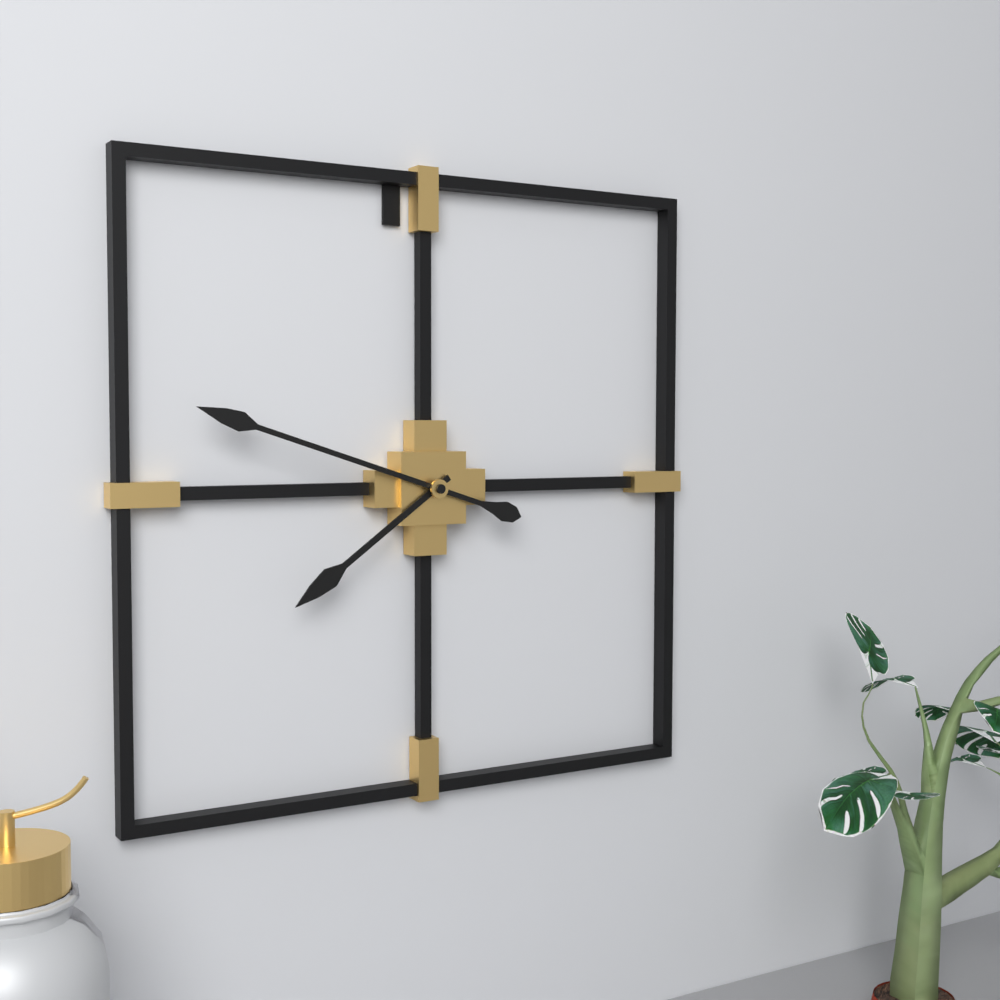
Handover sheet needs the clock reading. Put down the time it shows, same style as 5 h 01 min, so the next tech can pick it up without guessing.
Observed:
7 h 48 min
